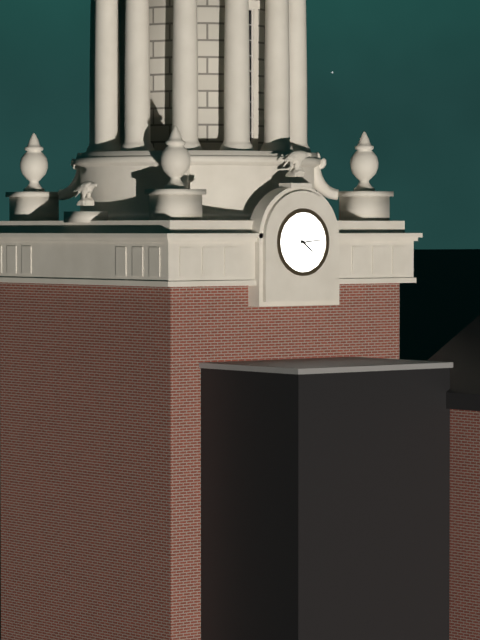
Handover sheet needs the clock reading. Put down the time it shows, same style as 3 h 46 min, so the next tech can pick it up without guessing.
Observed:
4 h 14 min
